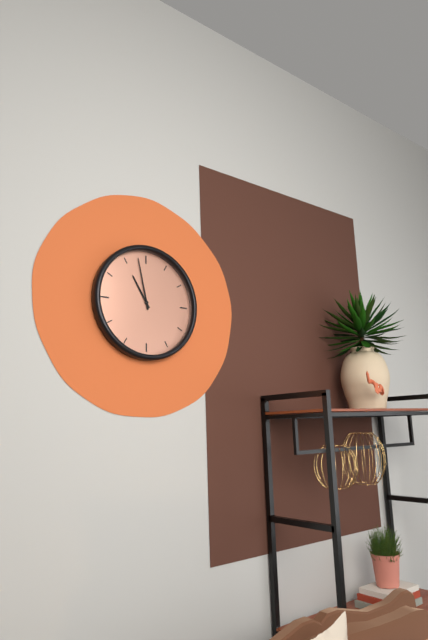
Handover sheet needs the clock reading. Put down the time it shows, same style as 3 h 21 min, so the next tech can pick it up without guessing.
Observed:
10 h 58 min
